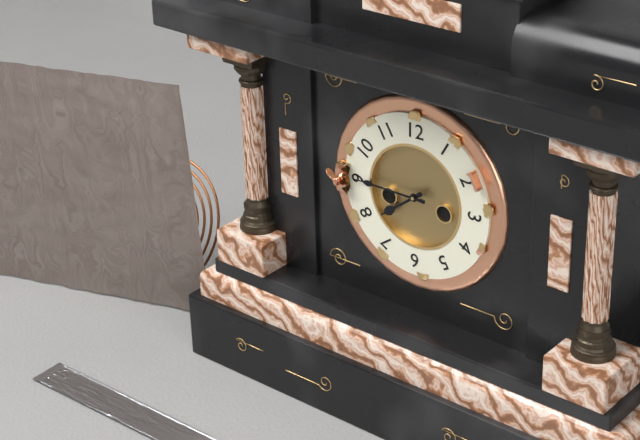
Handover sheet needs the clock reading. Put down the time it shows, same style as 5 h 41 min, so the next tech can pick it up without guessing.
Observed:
7 h 45 min
